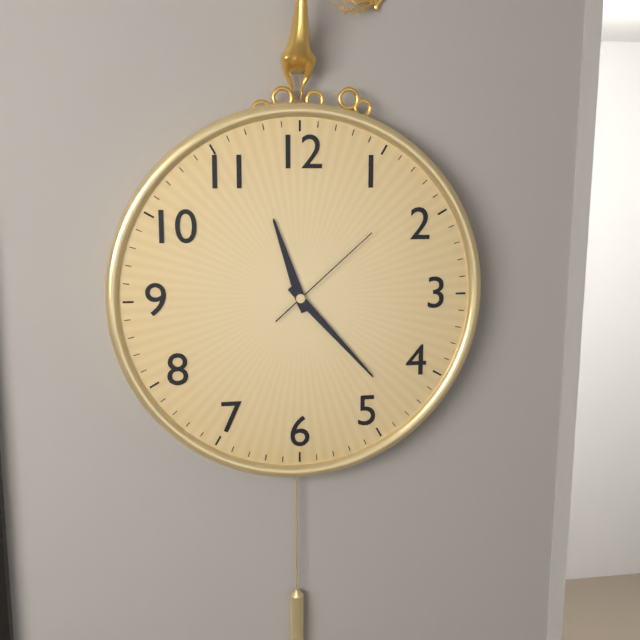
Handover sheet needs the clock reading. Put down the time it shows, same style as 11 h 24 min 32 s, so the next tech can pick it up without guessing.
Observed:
11 h 23 min 08 s
